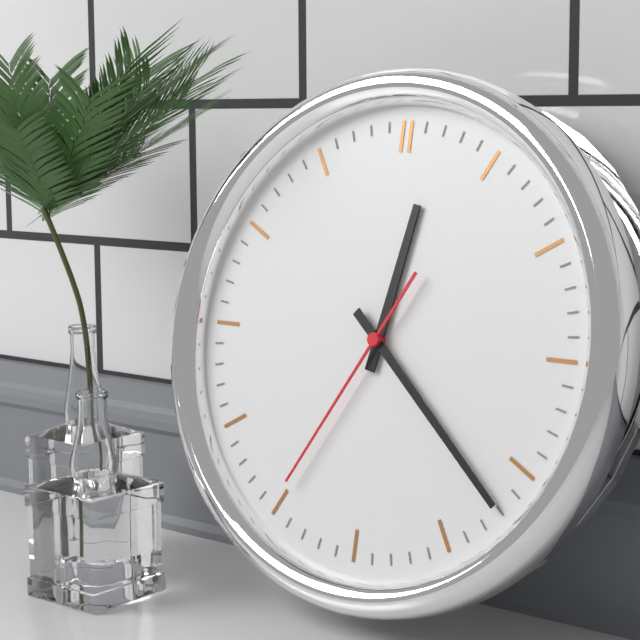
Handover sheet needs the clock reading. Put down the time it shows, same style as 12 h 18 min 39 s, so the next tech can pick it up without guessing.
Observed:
12 h 22 min 35 s
